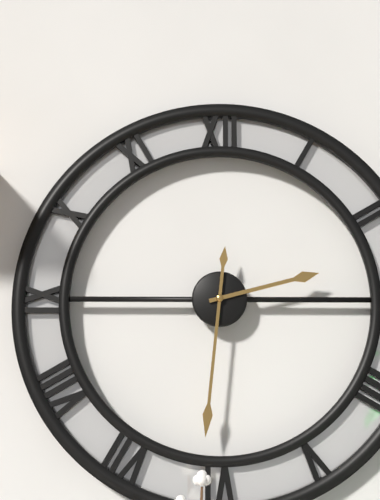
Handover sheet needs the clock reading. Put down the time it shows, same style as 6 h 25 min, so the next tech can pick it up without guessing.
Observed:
2 h 31 min
